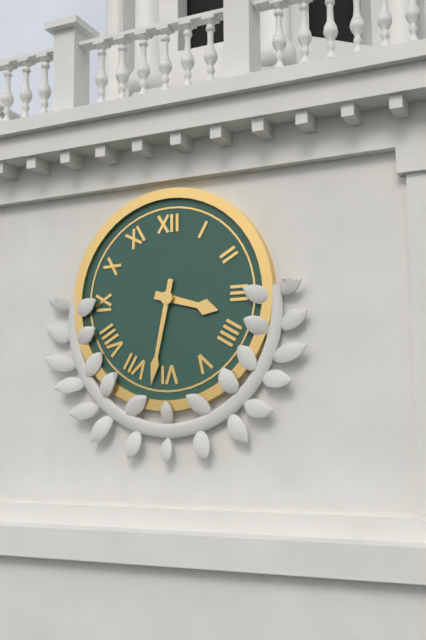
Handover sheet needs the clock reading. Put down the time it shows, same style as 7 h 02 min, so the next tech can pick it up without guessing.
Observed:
3 h 32 min
